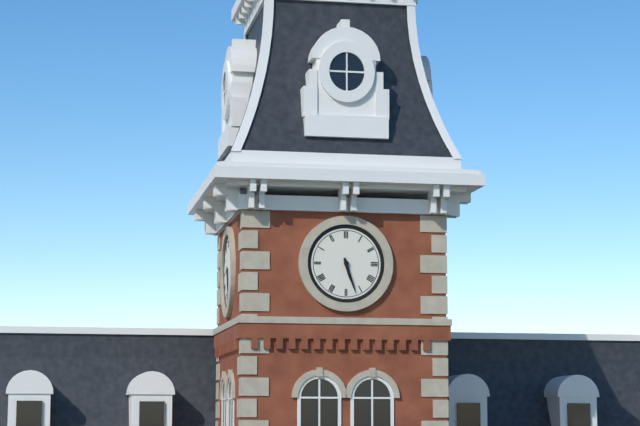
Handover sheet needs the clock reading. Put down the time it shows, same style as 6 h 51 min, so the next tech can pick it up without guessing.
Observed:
5 h 27 min
